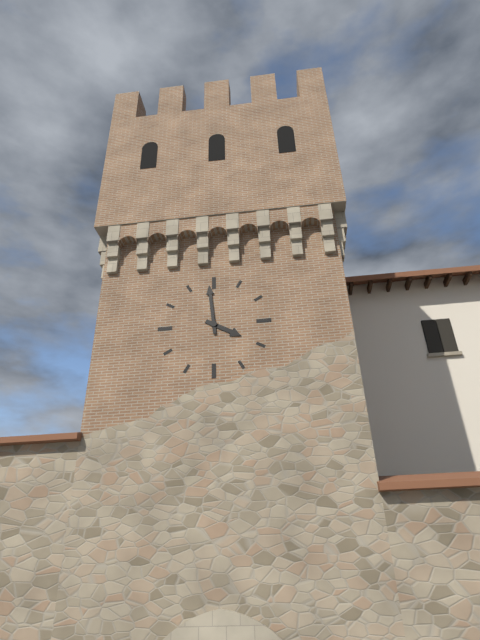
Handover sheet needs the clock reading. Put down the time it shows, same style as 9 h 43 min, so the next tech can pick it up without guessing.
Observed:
3 h 59 min
